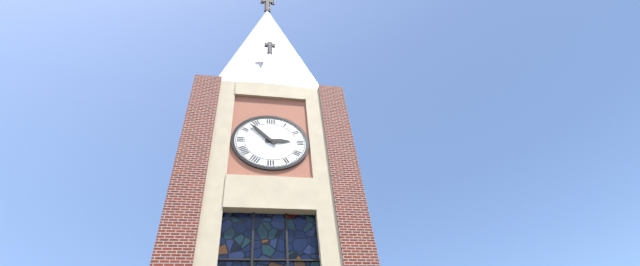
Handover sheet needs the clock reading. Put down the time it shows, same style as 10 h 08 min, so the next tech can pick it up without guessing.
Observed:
2 h 53 min
